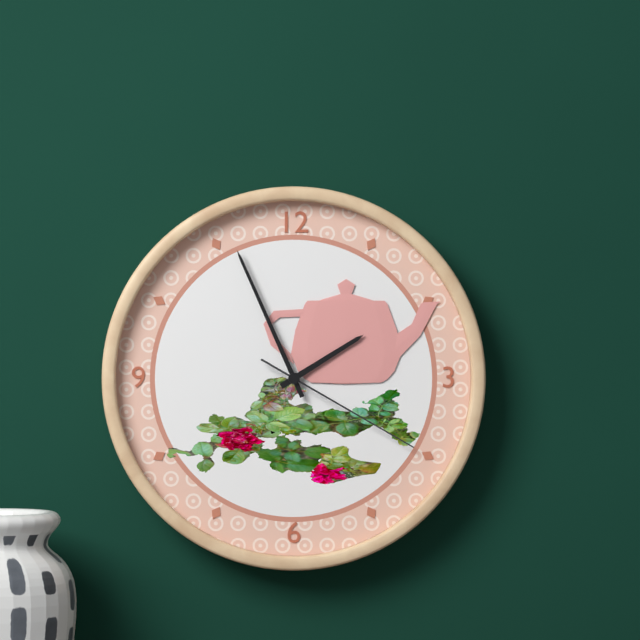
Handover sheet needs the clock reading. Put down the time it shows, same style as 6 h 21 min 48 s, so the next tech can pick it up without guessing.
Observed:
1 h 56 min 20 s
